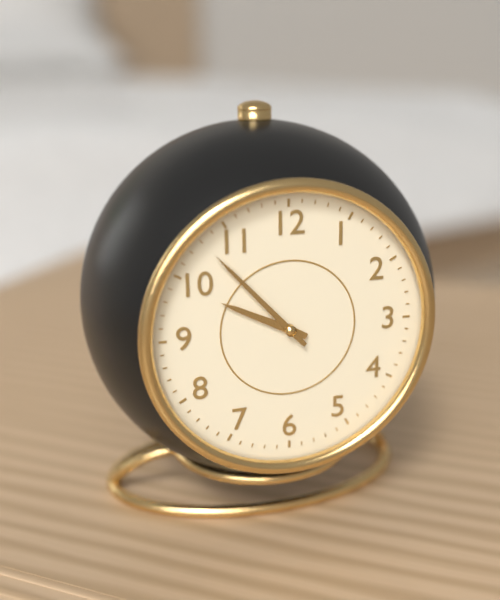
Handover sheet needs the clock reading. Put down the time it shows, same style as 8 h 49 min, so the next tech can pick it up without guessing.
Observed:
9 h 53 min
